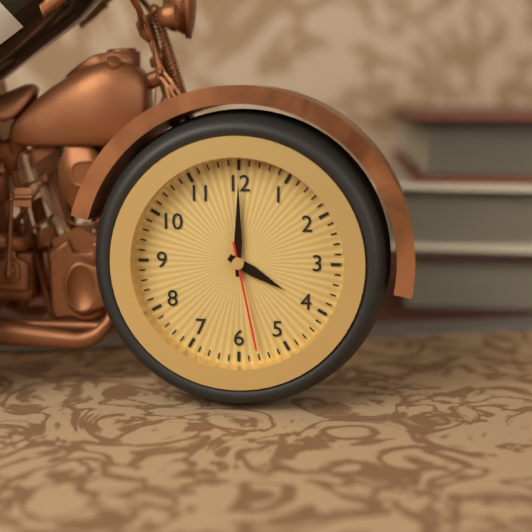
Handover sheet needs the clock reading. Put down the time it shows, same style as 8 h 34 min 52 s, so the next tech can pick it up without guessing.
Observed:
4 h 00 min 28 s
